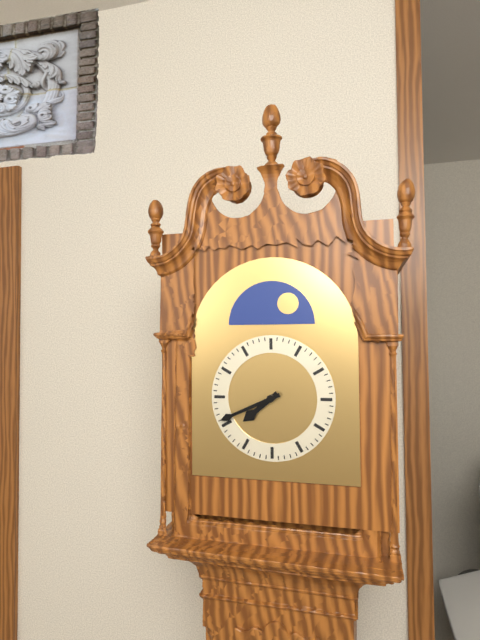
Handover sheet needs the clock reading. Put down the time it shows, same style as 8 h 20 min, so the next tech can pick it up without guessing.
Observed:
7 h 41 min
